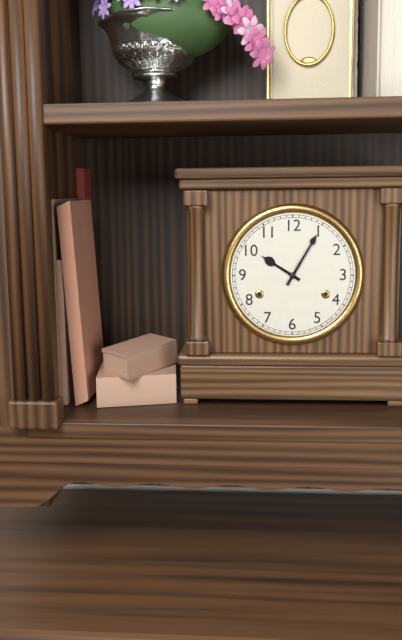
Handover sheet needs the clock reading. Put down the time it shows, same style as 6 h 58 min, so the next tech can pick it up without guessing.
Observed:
10 h 05 min
